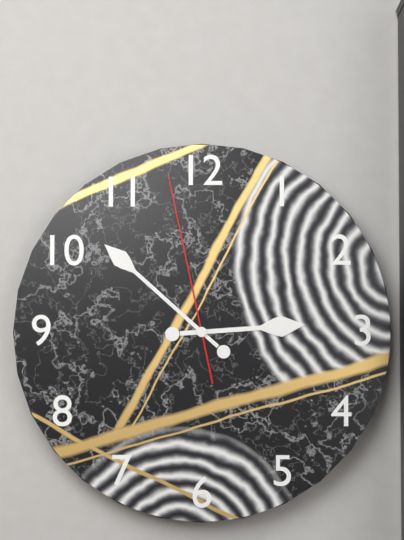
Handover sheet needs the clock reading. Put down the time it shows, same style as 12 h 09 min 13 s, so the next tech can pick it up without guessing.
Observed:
2 h 52 min 58 s
